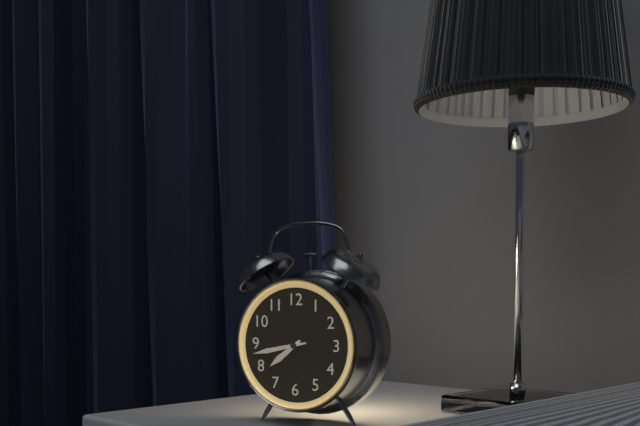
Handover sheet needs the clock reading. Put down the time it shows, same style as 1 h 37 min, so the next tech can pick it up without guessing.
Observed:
7 h 43 min
